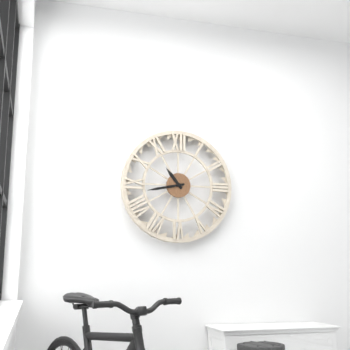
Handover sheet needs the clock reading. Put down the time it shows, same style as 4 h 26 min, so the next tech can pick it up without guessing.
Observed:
10 h 43 min
